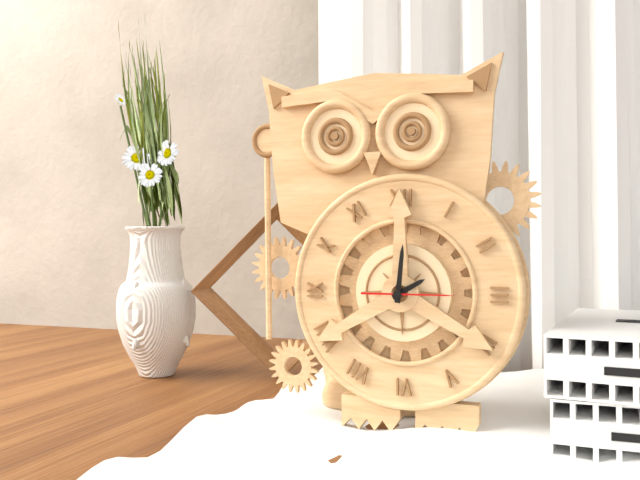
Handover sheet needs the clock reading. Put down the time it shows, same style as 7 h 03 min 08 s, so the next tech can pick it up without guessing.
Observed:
2 h 01 min 15 s
